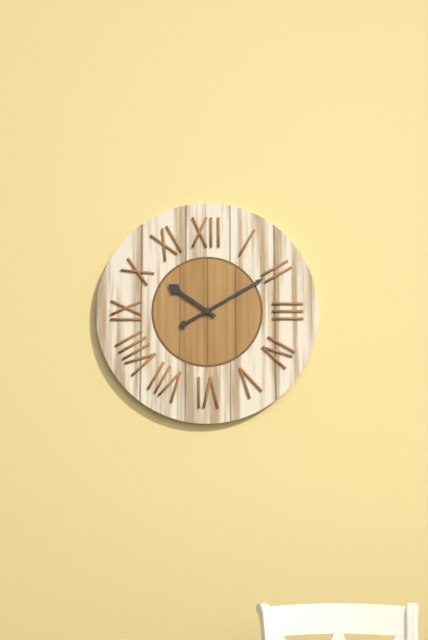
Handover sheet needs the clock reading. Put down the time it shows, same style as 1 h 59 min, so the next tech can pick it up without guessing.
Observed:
10 h 10 min
